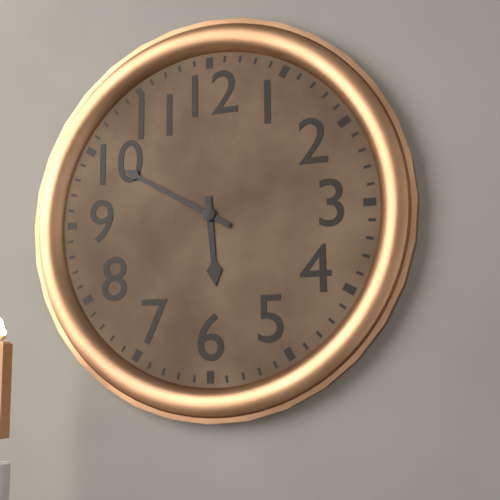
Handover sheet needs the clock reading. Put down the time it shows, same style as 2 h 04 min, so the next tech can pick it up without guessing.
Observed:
5 h 50 min
